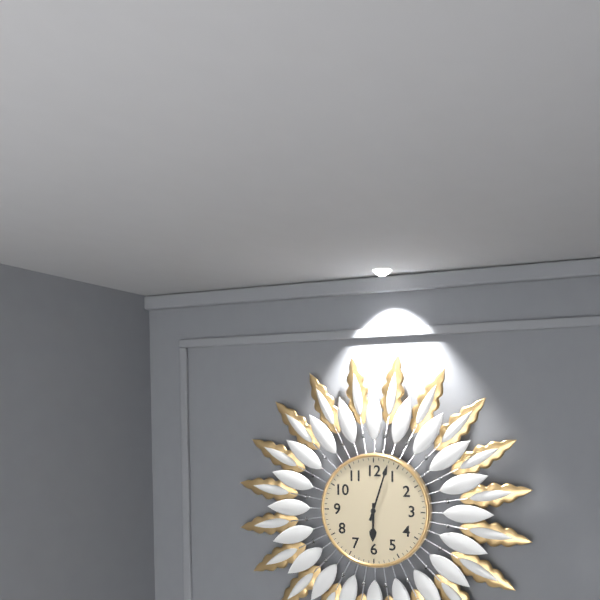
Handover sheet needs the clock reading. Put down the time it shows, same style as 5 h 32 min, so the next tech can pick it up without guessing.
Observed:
6 h 03 min
